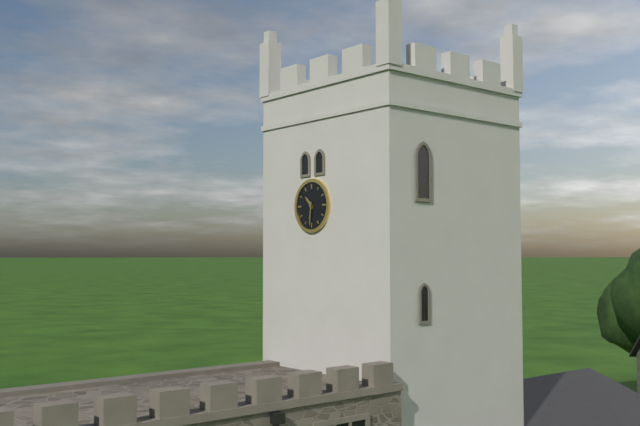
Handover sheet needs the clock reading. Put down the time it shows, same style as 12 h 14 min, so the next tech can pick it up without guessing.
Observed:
10 h 31 min
